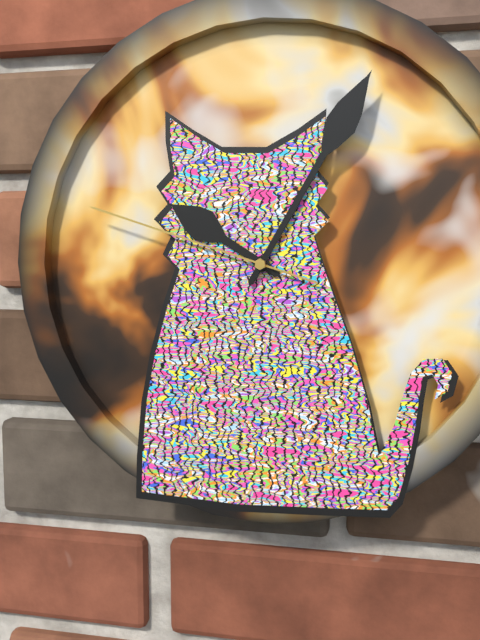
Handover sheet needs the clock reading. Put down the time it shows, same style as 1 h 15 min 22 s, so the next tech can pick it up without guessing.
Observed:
10 h 05 min 48 s
